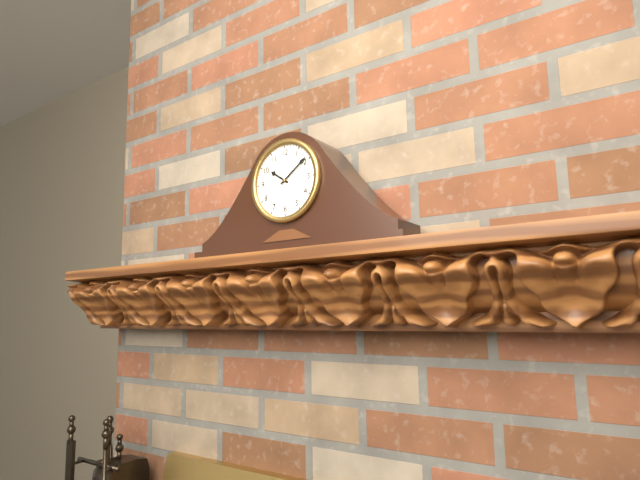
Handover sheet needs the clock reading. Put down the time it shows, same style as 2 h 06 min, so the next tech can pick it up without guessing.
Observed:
10 h 09 min
